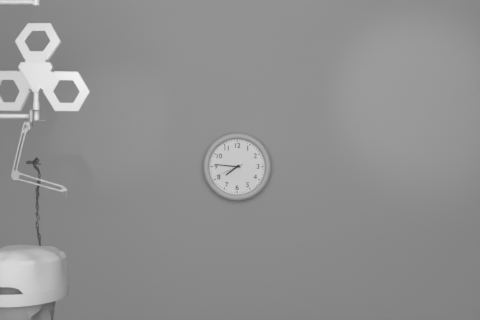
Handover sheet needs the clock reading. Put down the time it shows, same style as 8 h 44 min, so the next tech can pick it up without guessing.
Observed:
7 h 46 min
